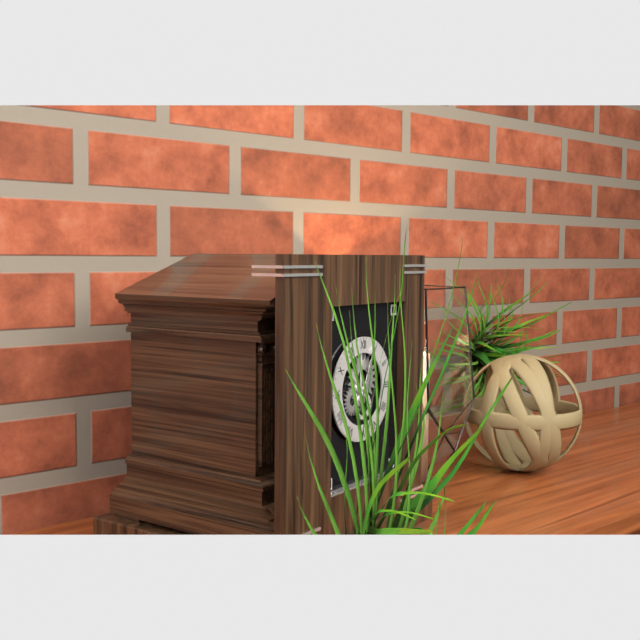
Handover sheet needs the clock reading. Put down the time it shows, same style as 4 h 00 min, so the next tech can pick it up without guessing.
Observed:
1 h 04 min
